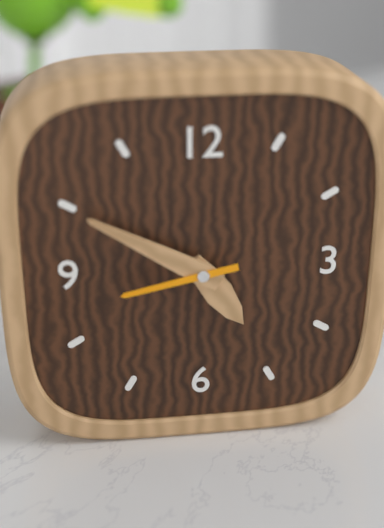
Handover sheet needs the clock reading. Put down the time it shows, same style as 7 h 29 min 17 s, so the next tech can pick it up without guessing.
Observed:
4 h 50 min 43 s
